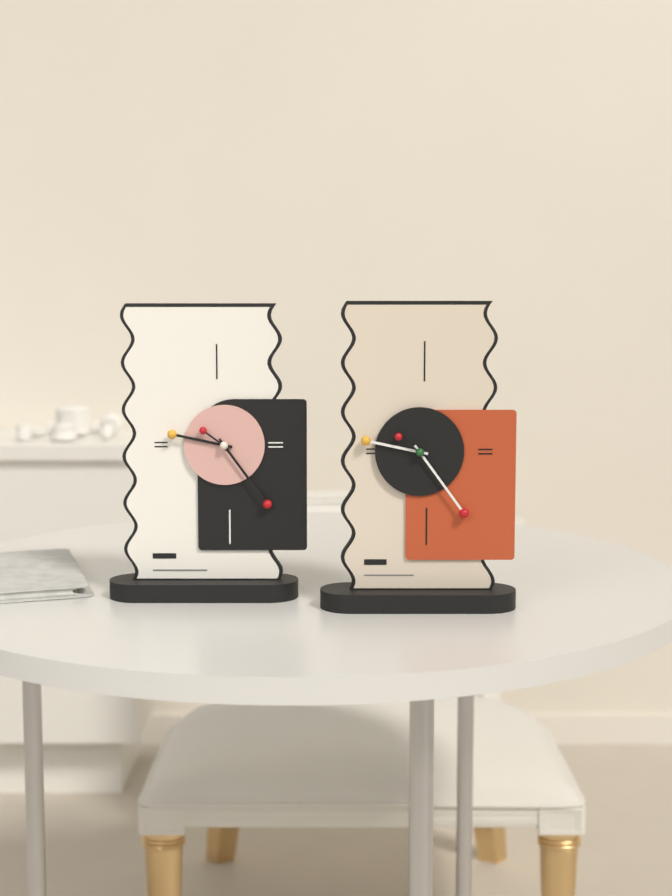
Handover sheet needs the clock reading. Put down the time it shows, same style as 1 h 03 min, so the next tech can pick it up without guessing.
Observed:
9 h 24 min
